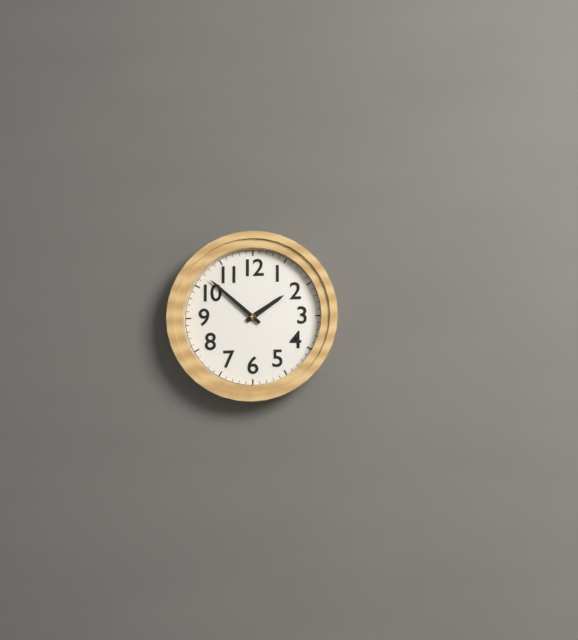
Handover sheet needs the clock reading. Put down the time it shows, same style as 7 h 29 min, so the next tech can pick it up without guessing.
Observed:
1 h 52 min
